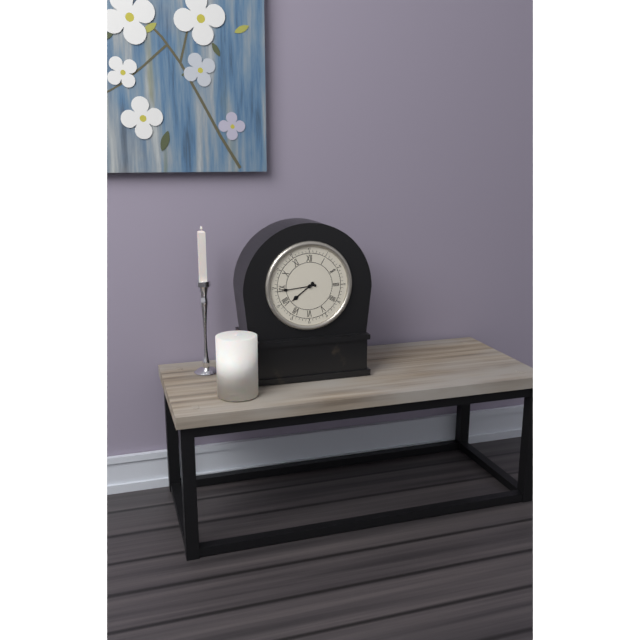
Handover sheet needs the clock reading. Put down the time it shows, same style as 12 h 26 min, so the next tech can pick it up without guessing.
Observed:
7 h 44 min
